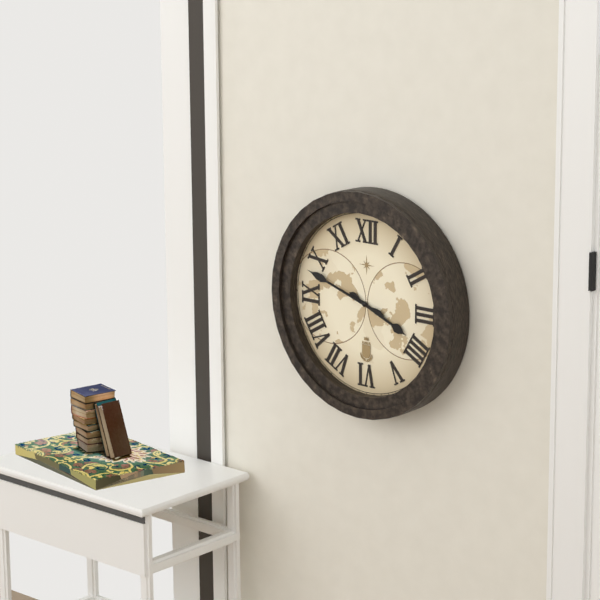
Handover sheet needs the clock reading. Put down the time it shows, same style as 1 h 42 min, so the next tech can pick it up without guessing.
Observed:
3 h 48 min
